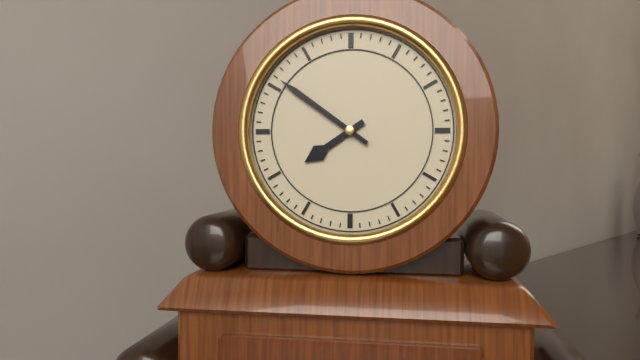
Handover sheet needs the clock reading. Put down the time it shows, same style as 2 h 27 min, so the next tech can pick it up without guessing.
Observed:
7 h 51 min
